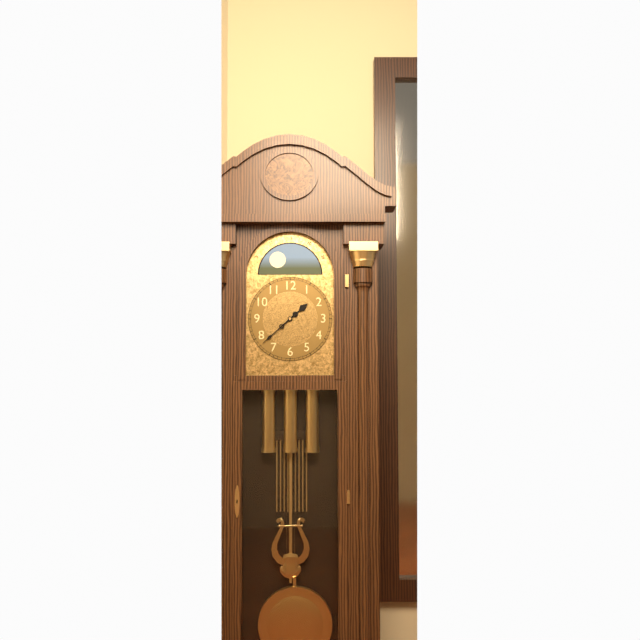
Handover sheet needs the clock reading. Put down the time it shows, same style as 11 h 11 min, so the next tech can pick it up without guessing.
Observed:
1 h 38 min
